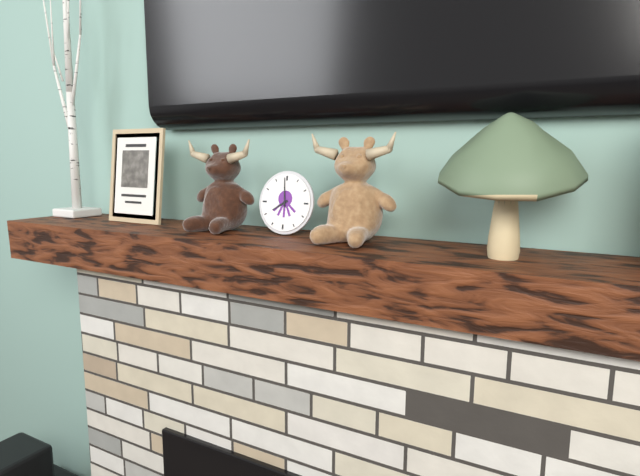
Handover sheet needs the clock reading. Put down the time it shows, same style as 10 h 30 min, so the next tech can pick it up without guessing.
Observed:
7 h 59 min
